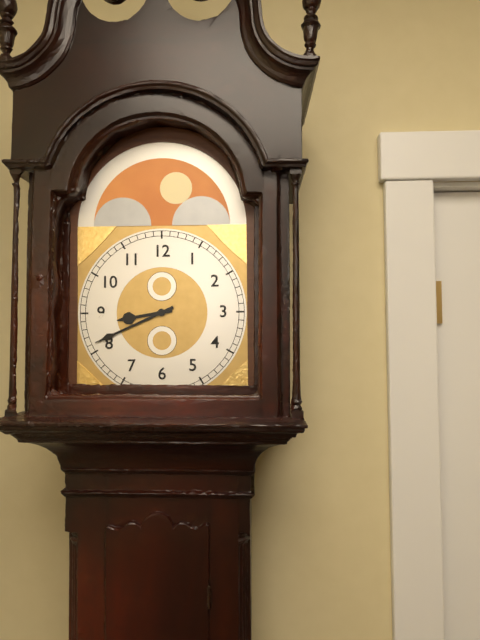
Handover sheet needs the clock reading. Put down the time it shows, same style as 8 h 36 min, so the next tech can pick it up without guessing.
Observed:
8 h 41 min
